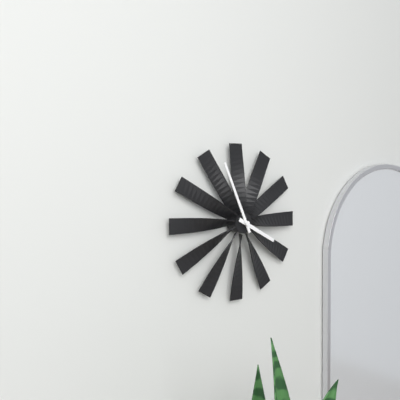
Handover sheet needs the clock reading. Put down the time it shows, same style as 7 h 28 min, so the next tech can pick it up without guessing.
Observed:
3 h 56 min
